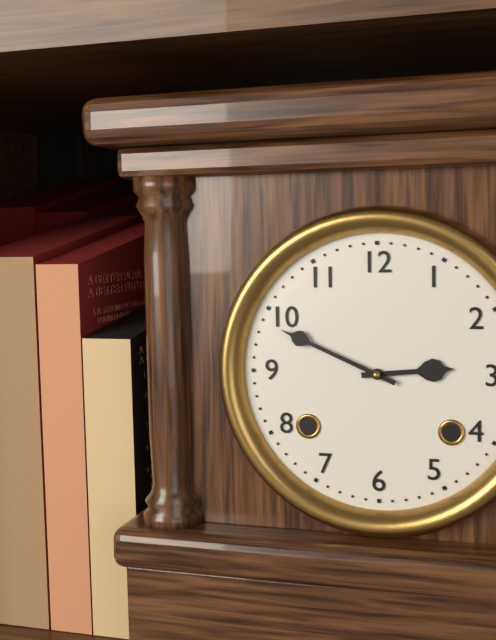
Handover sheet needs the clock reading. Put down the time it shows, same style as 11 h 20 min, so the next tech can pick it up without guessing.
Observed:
2 h 49 min
